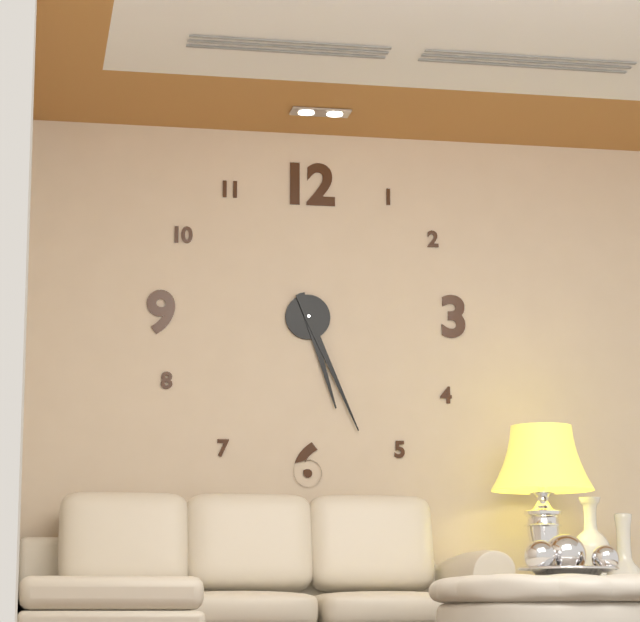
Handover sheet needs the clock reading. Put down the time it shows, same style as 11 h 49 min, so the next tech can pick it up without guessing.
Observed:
5 h 26 min
